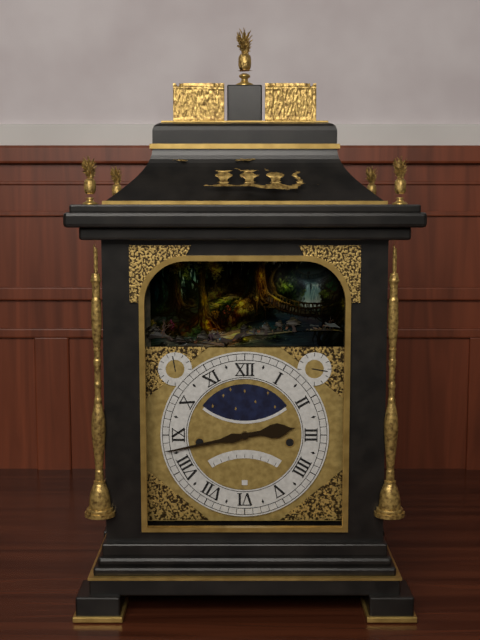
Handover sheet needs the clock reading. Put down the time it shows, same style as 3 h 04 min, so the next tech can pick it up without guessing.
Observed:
2 h 43 min
